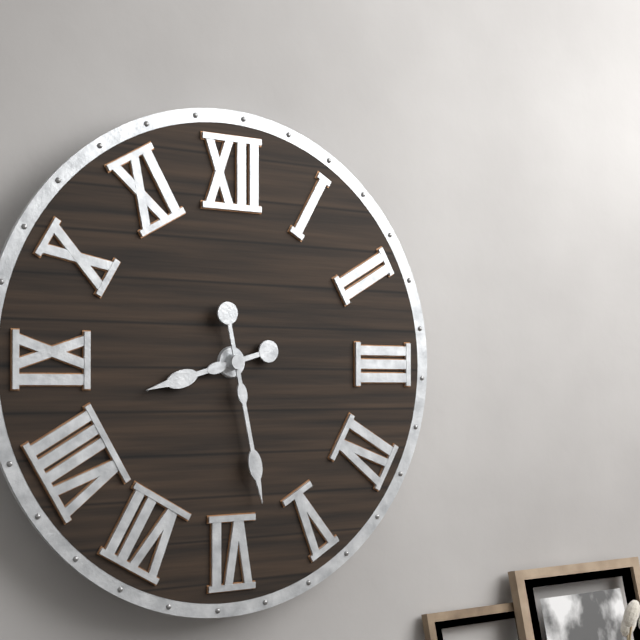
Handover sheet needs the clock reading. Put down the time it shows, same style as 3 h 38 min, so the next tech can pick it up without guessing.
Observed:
8 h 28 min
